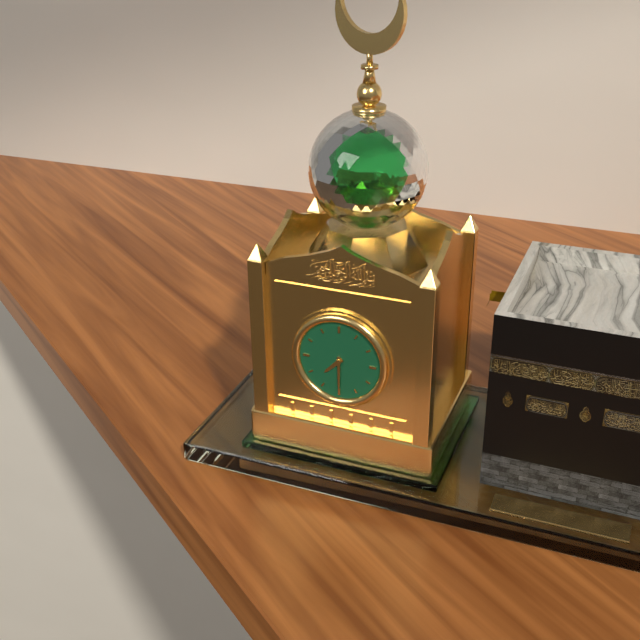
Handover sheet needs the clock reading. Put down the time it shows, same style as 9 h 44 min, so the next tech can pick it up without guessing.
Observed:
7 h 30 min
